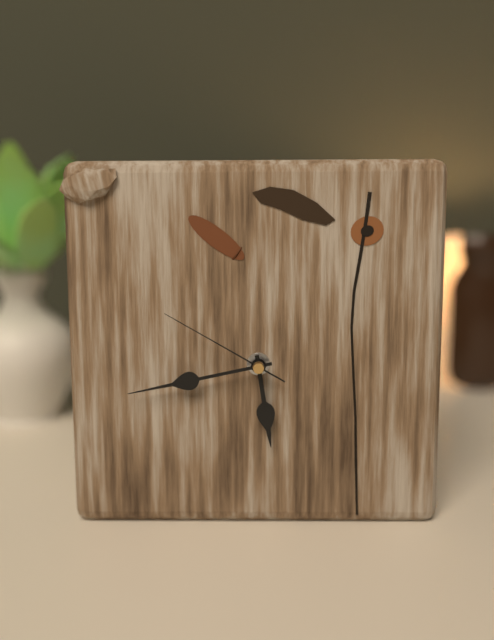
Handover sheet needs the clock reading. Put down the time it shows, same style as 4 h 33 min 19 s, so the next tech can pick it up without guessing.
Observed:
5 h 43 min 50 s
